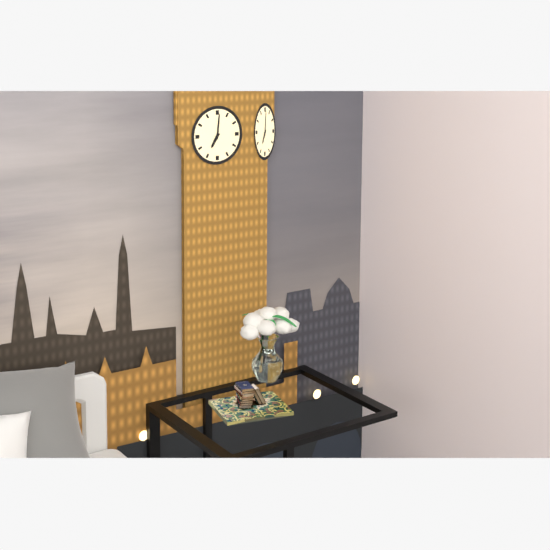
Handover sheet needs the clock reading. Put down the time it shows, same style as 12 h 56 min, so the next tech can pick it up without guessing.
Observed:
7 h 01 min
